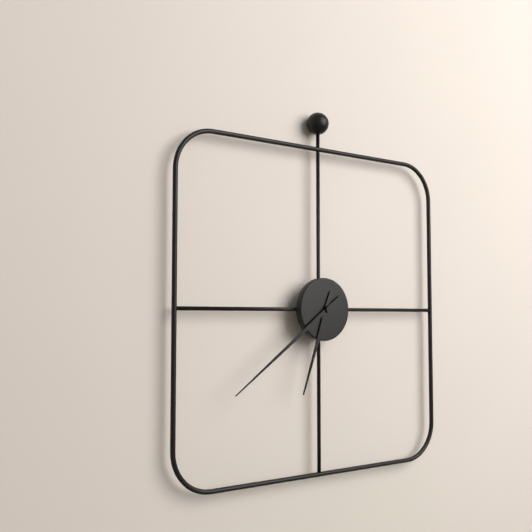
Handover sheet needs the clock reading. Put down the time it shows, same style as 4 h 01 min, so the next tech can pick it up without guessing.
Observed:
6 h 39 min
